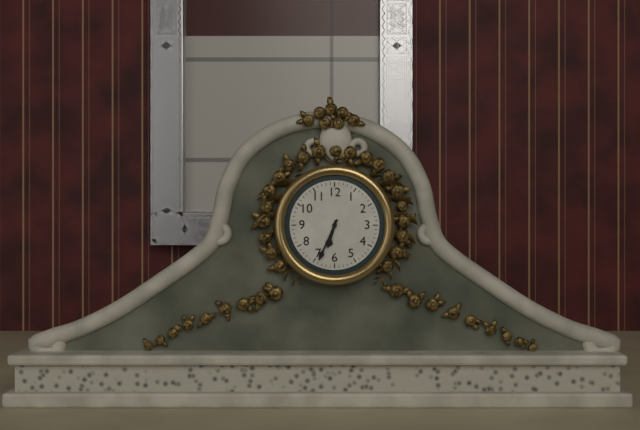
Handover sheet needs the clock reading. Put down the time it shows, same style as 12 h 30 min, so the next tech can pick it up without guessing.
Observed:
6 h 34 min
